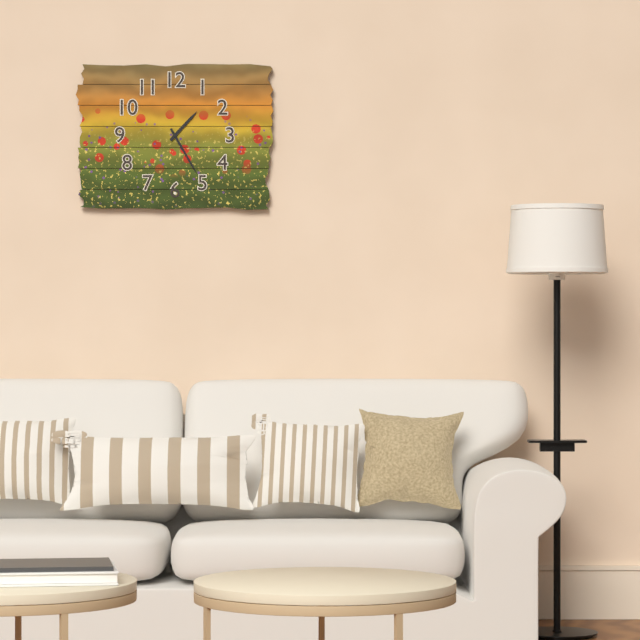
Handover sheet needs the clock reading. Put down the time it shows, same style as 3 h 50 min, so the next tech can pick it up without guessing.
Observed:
1 h 25 min
